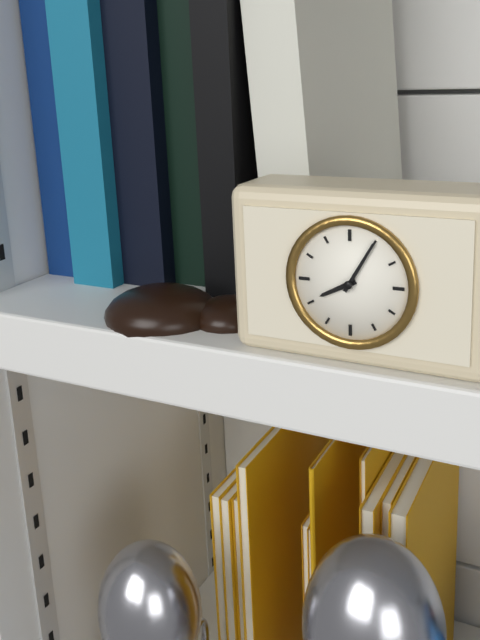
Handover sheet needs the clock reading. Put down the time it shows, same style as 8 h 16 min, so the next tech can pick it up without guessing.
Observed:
8 h 05 min
